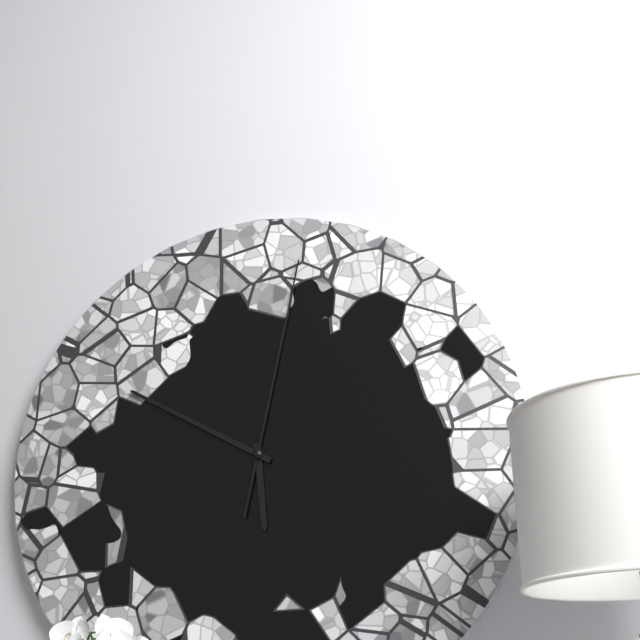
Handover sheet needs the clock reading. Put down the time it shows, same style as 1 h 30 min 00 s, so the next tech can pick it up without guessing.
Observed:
5 h 50 min 02 s
